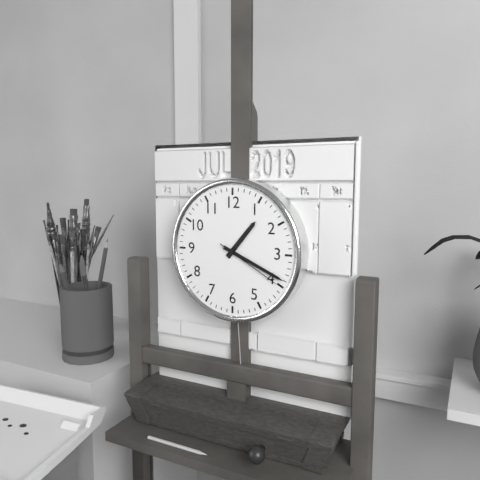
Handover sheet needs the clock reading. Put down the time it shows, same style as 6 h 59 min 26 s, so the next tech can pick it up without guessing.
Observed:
1 h 19 min 20 s
